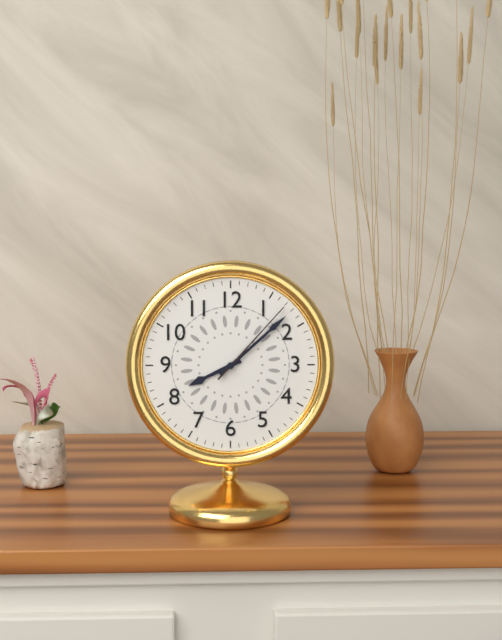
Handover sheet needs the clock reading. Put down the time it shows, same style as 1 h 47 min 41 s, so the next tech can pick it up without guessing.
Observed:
8 h 08 min 07 s
